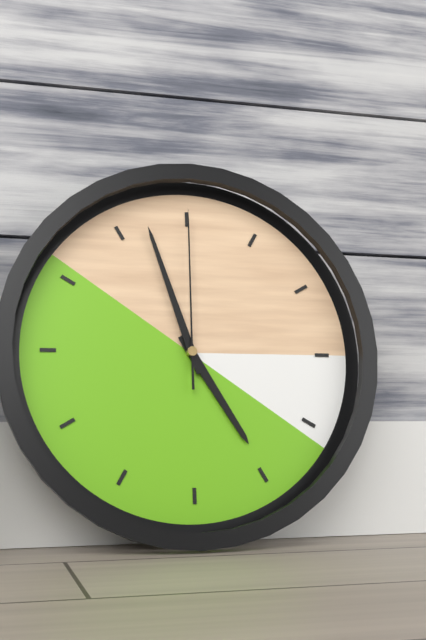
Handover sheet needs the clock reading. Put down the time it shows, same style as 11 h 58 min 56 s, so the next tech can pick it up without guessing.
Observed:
4 h 57 min 00 s
